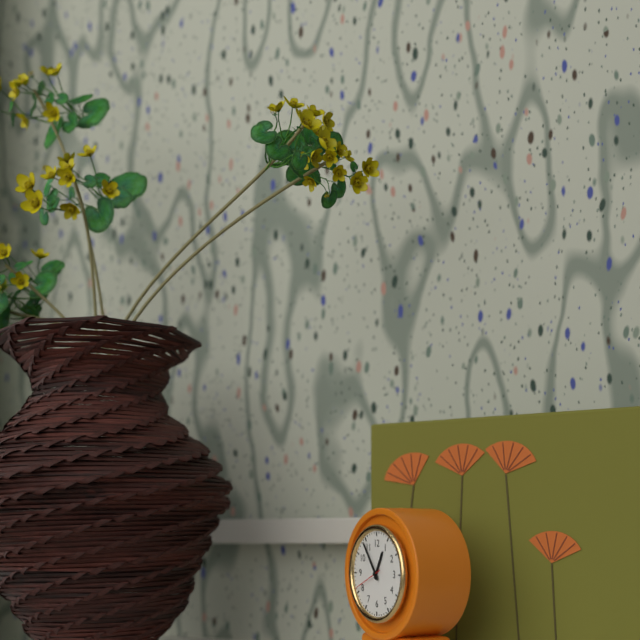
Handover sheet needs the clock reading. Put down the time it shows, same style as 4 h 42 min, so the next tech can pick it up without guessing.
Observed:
12 h 54 min
